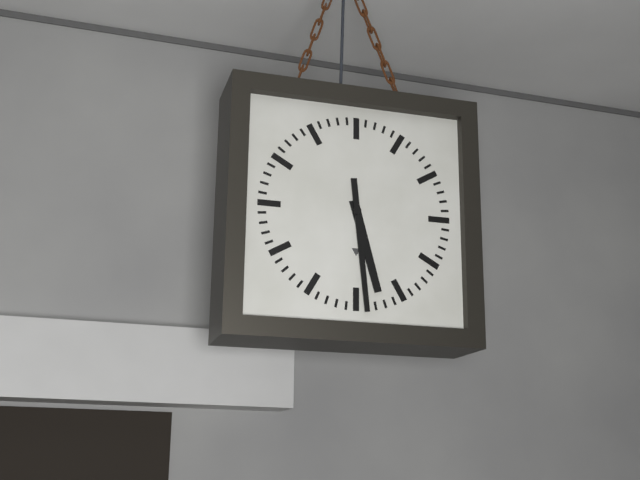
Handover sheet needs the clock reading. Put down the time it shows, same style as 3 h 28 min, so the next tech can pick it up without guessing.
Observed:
5 h 29 min
